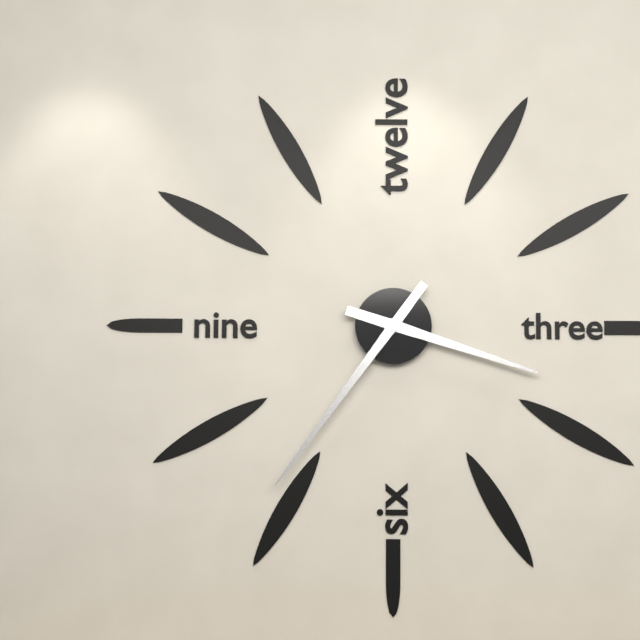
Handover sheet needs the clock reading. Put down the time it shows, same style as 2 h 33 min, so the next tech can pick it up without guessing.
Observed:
3 h 36 min
